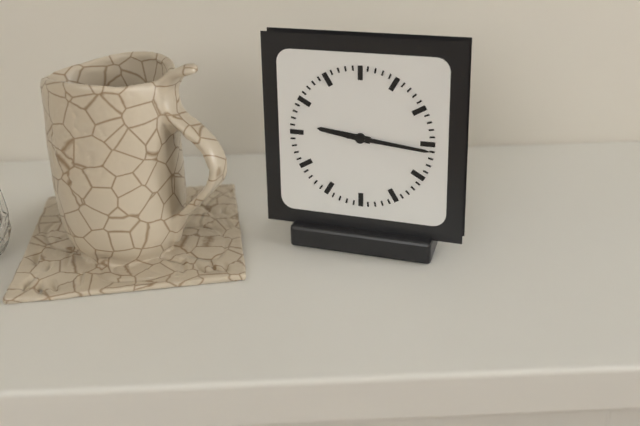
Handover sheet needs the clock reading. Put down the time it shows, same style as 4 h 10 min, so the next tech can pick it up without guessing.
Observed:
9 h 16 min
